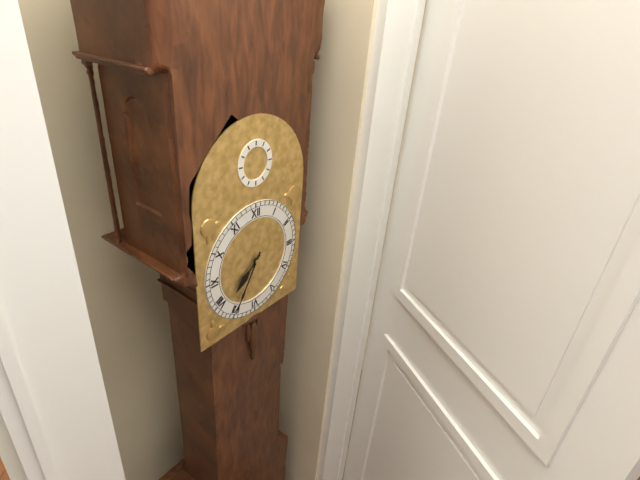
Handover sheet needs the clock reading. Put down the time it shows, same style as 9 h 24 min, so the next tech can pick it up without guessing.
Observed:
7 h 35 min
